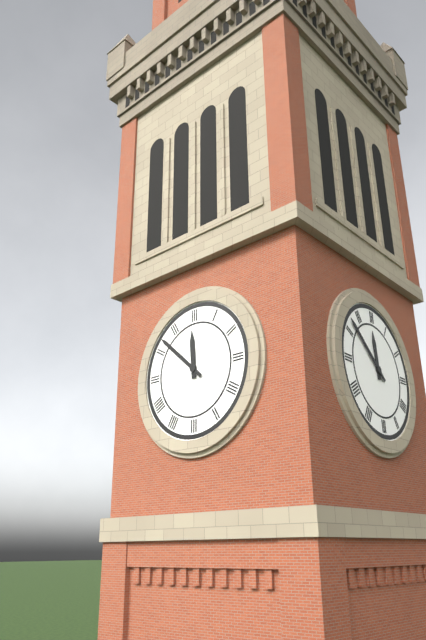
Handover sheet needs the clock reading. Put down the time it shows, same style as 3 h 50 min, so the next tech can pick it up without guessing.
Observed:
11 h 52 min
